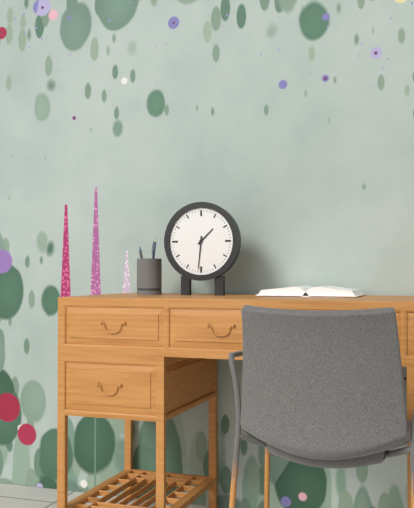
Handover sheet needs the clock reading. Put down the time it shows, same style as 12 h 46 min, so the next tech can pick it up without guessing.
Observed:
1 h 31 min
